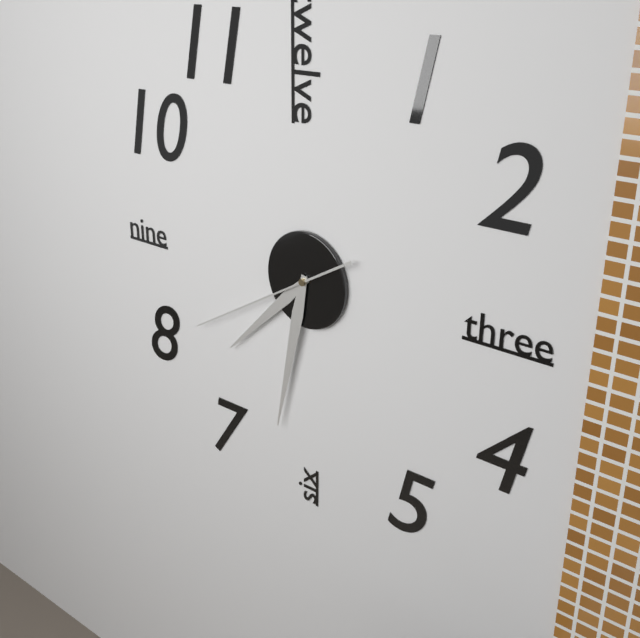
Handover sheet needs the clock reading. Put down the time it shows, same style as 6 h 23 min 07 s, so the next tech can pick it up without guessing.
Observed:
7 h 32 min 40 s
